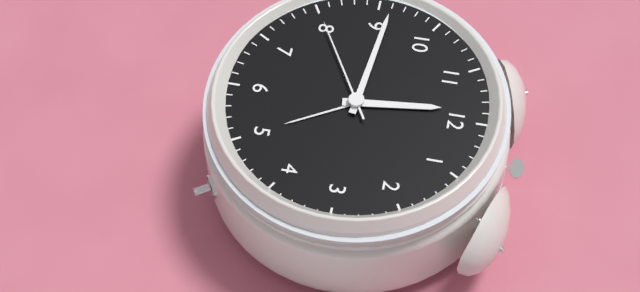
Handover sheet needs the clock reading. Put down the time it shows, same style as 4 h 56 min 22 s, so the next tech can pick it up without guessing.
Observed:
11 h 46 min 40 s
